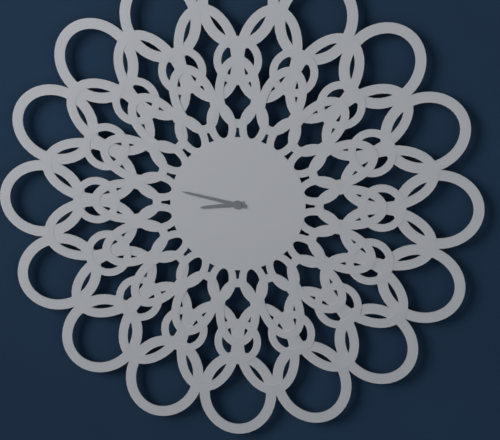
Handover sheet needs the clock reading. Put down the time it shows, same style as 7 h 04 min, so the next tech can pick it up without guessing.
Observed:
8 h 47 min
